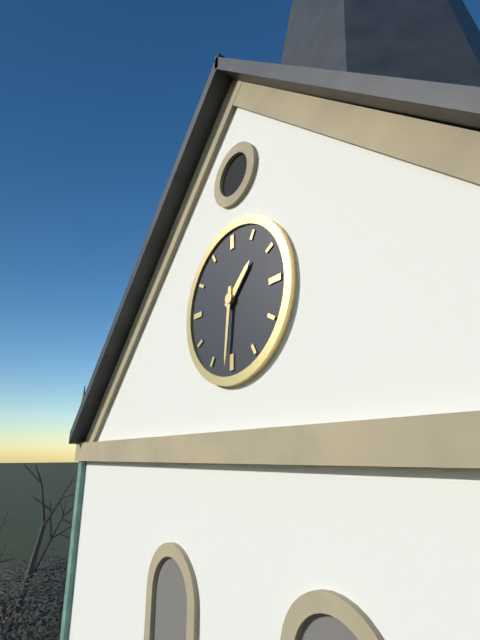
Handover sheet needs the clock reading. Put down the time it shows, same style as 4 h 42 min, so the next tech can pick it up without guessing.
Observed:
1 h 31 min
